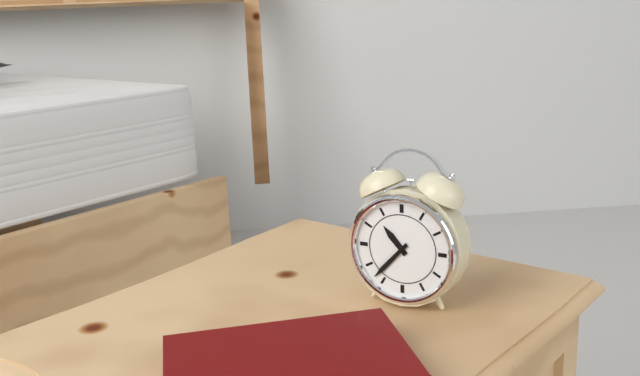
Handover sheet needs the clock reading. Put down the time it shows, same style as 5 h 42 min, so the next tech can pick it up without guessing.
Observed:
10 h 37 min
